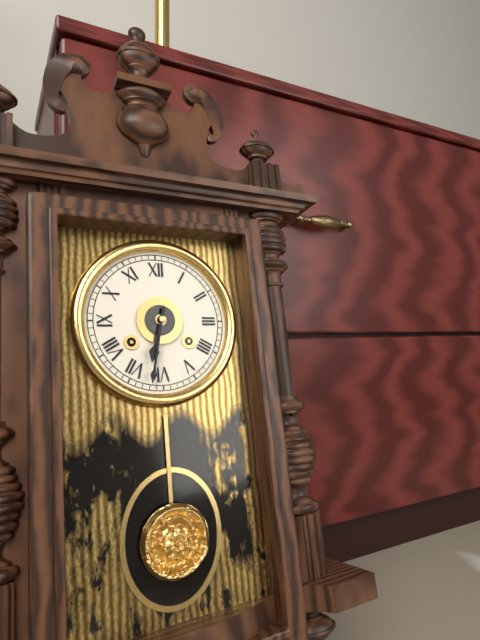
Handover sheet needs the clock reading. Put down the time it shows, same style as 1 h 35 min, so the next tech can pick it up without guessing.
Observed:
6 h 32 min
